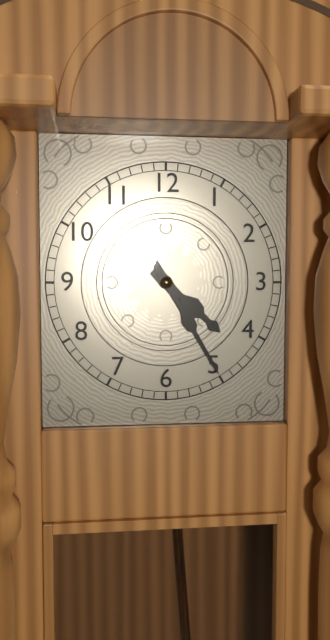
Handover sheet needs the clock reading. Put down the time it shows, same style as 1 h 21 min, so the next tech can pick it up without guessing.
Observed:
4 h 25 min
